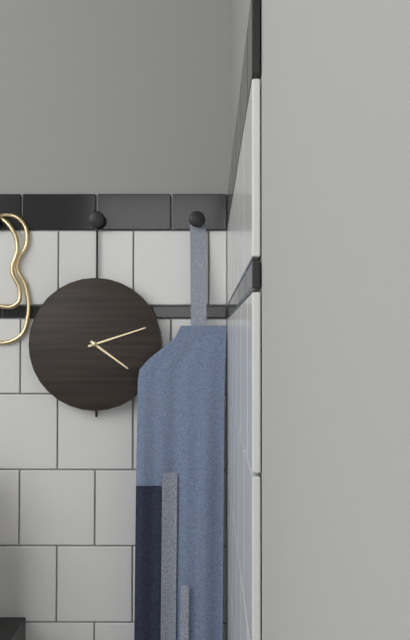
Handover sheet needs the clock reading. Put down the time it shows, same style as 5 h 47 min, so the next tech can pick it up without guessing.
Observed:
4 h 12 min
